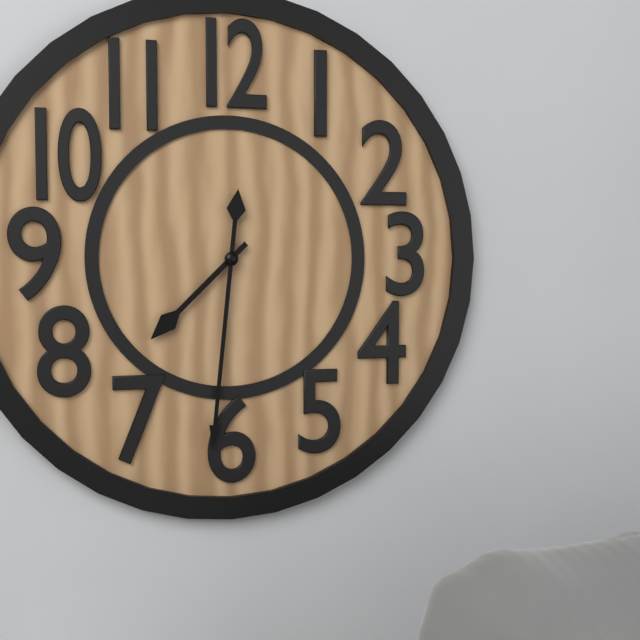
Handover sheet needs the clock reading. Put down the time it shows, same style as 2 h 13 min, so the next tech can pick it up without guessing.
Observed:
7 h 31 min
